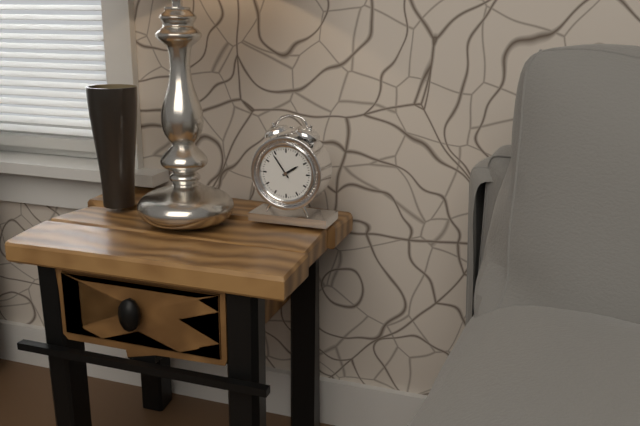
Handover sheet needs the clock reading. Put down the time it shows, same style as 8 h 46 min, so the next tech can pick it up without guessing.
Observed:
1 h 54 min
